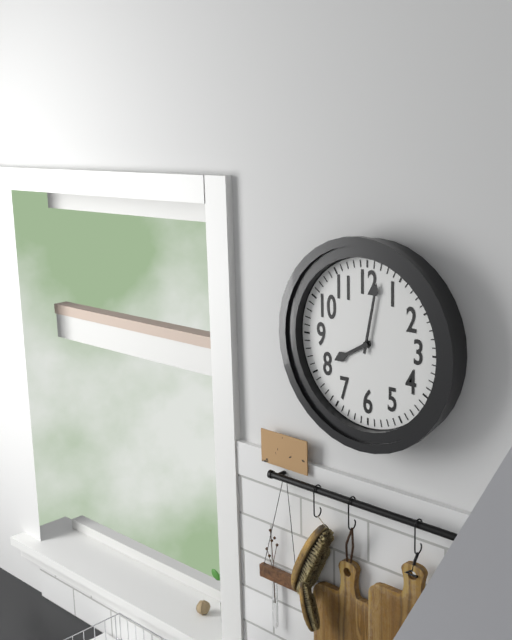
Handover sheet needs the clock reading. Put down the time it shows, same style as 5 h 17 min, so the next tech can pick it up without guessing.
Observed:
8 h 02 min
